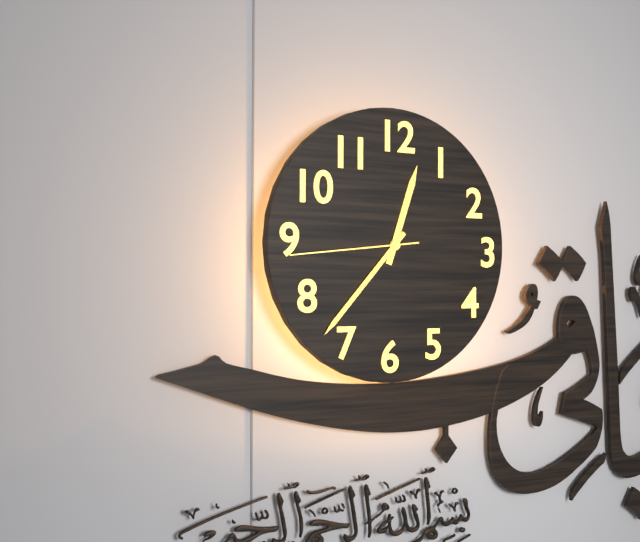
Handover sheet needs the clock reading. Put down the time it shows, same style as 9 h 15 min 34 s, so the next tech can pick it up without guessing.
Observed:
12 h 37 min 44 s
